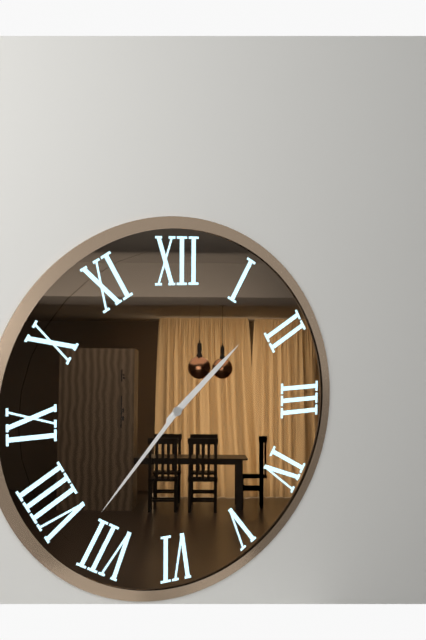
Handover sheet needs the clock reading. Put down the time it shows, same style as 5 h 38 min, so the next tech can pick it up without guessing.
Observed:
1 h 37 min
